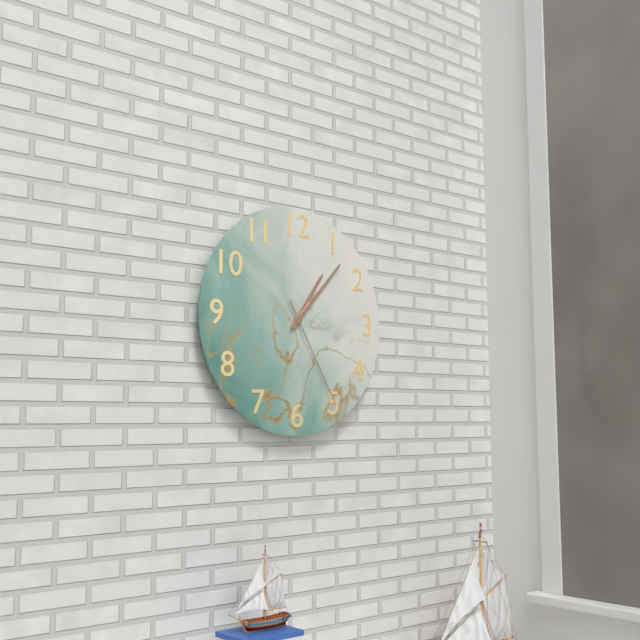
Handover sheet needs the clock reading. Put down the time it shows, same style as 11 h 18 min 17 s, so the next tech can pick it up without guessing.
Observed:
1 h 07 min 25 s
